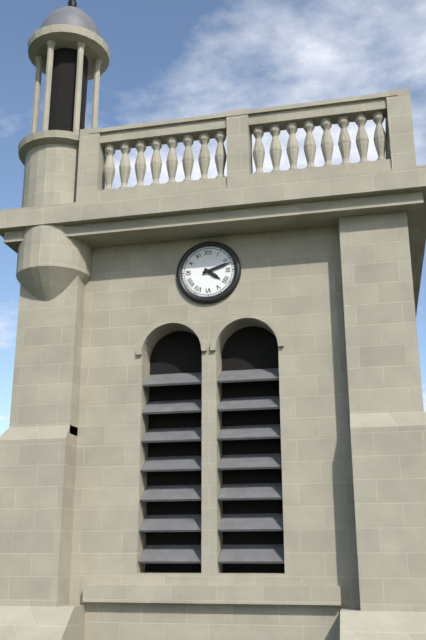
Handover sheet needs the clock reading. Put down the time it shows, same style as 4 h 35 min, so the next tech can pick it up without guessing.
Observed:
4 h 12 min
